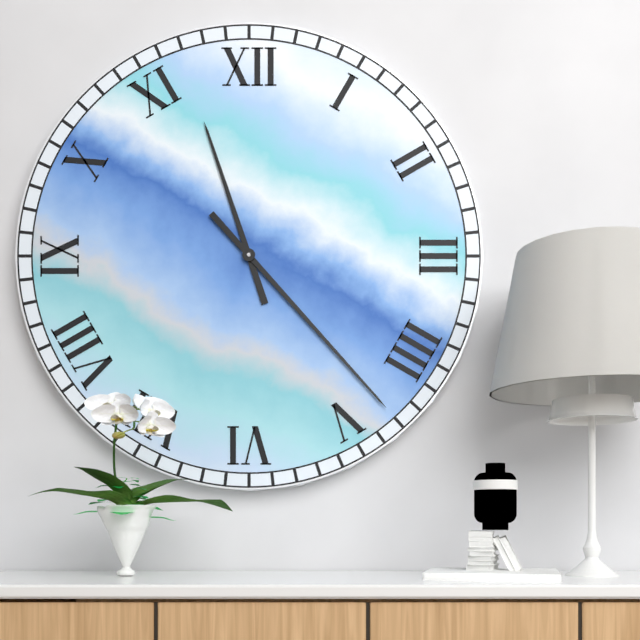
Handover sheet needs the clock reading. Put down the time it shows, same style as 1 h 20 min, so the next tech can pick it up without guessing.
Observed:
11 h 23 min
